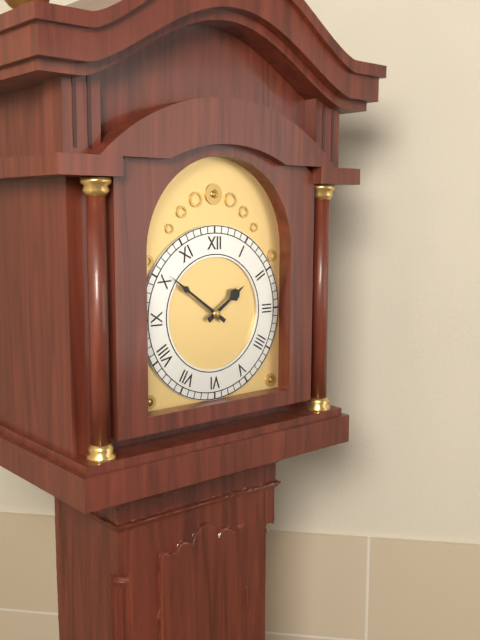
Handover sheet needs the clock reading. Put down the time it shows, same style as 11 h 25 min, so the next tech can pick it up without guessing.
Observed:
1 h 51 min
